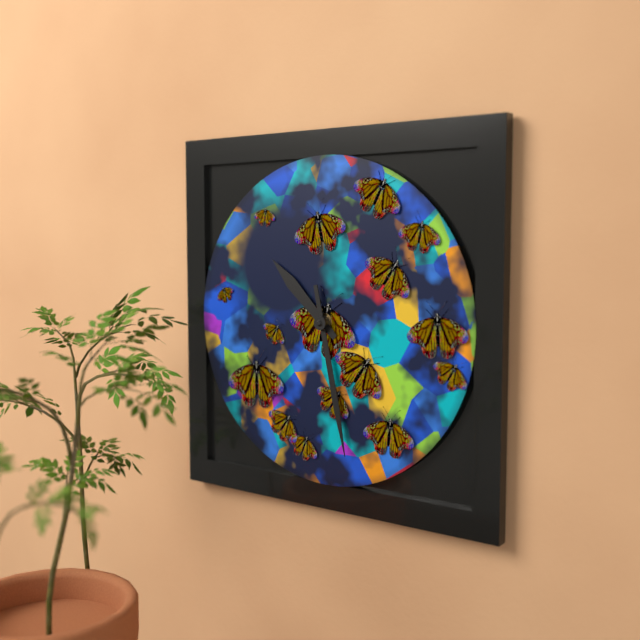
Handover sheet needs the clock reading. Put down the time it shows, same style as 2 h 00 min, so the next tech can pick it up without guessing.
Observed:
10 h 28 min
